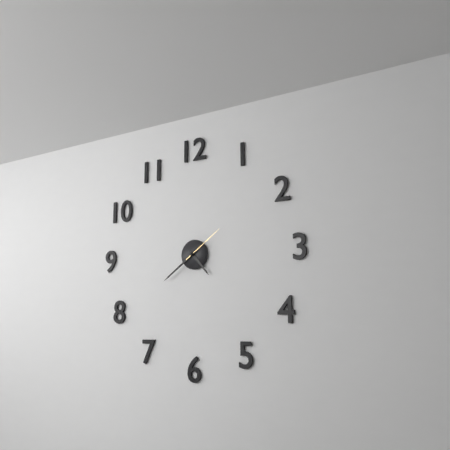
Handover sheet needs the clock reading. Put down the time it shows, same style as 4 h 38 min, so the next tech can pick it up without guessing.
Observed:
4 h 39 min
